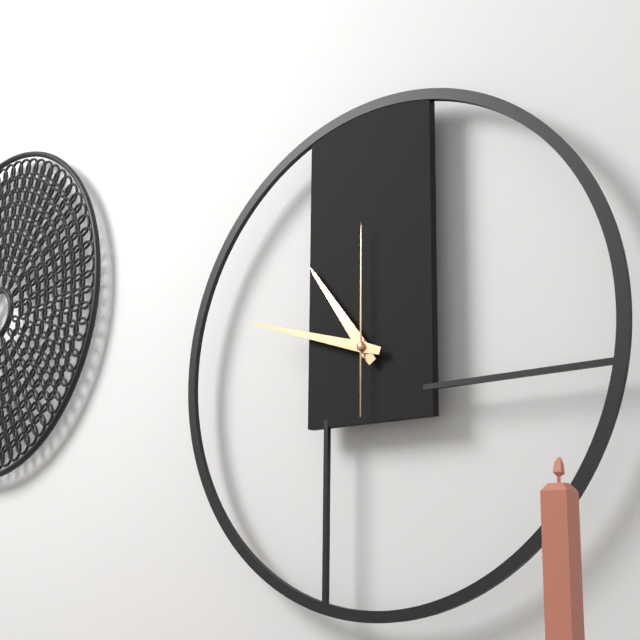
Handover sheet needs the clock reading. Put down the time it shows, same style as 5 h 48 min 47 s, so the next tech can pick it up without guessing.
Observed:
10 h 48 min 00 s
